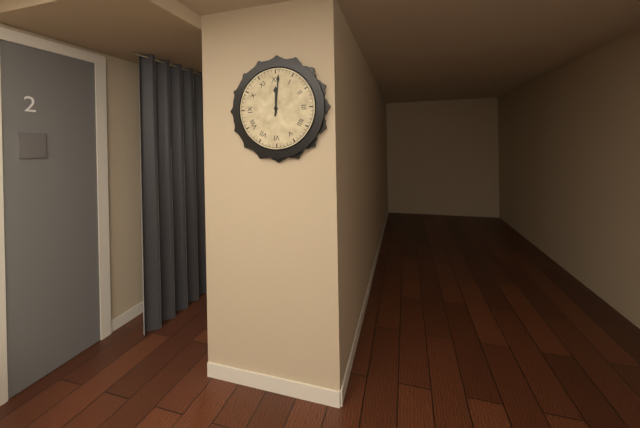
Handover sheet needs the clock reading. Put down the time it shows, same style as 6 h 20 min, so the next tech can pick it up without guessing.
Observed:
12 h 01 min
